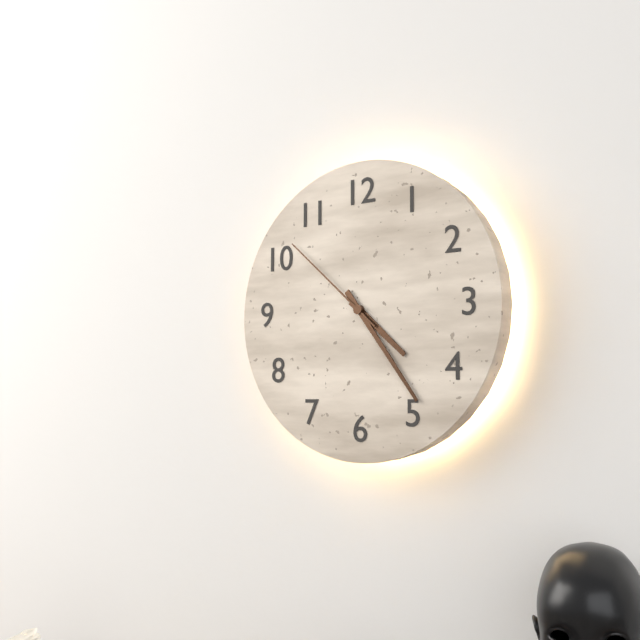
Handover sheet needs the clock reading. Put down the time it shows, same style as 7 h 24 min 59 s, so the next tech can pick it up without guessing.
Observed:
4 h 24 min 52 s
